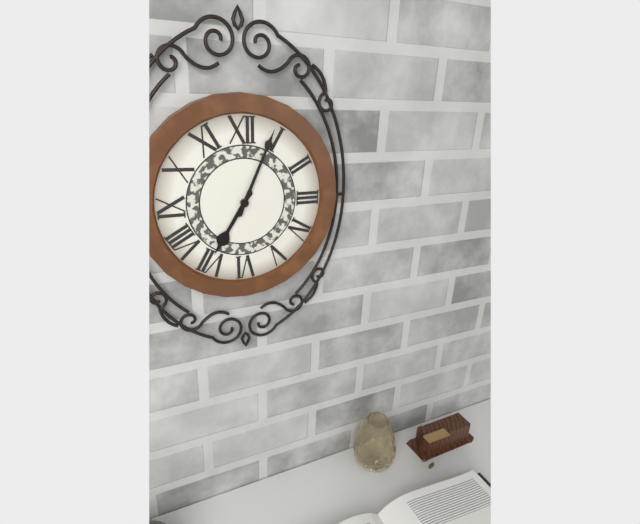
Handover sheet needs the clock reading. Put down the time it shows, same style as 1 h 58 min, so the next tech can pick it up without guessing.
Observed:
7 h 04 min
